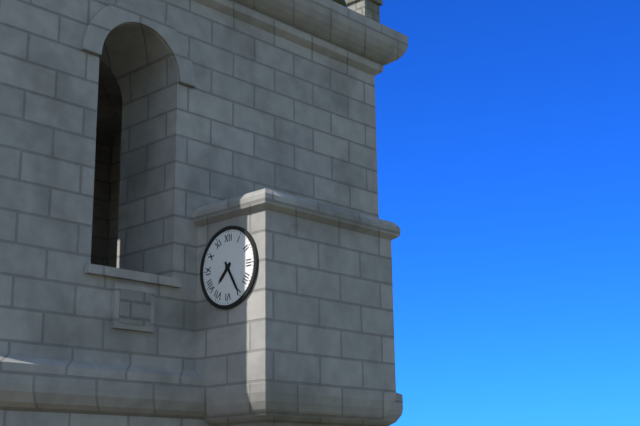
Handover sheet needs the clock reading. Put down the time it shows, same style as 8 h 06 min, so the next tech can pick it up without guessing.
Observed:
7 h 25 min
